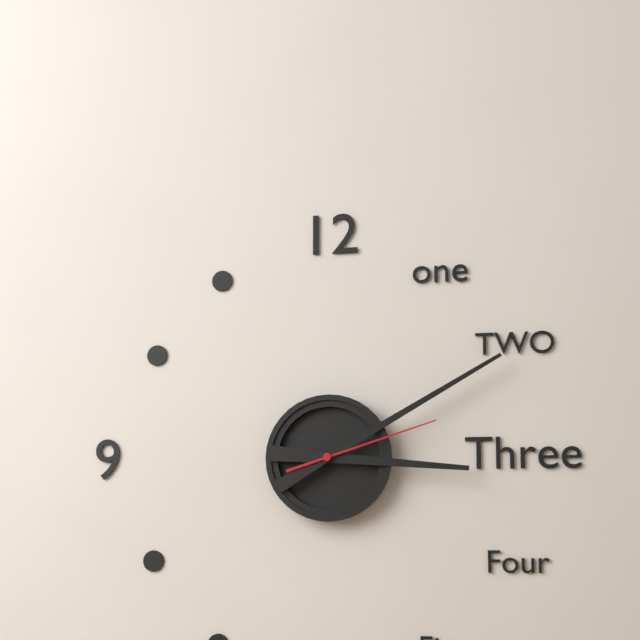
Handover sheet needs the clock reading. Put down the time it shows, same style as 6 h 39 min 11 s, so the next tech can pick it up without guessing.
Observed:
3 h 10 min 12 s
